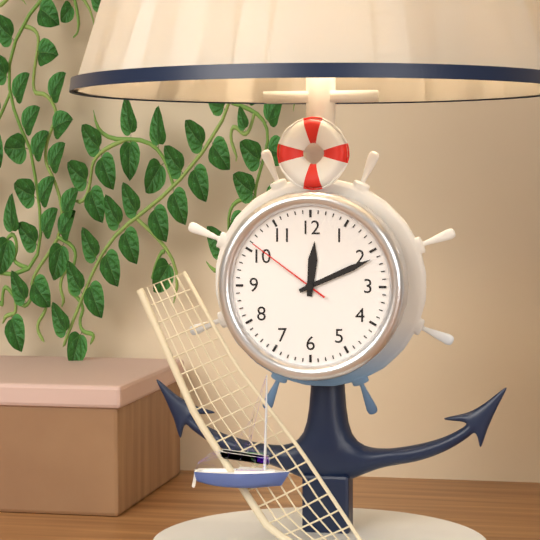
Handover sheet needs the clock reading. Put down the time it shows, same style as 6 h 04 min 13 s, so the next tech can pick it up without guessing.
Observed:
12 h 11 min 51 s
